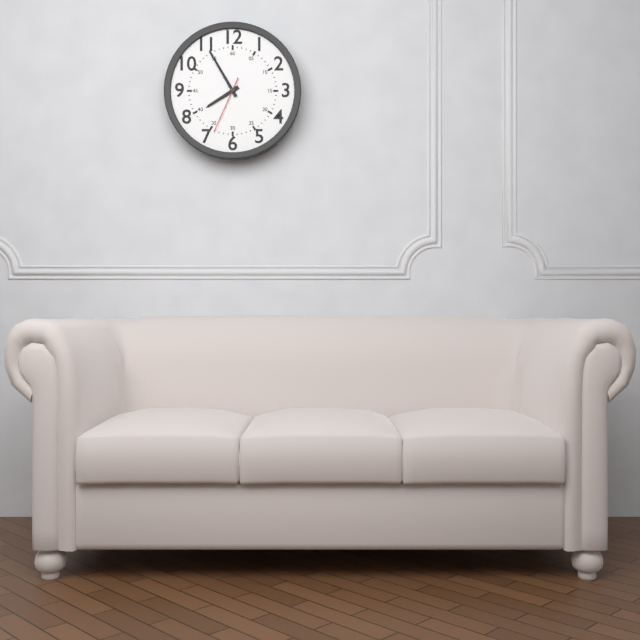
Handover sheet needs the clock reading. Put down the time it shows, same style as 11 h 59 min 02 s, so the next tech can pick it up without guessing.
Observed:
7 h 55 min 34 s
